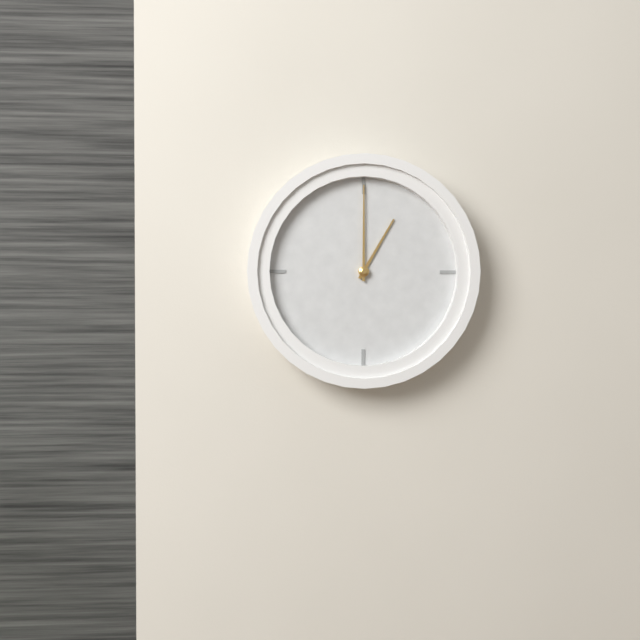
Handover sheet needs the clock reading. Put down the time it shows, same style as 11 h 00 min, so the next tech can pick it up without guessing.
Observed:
1 h 00 min
